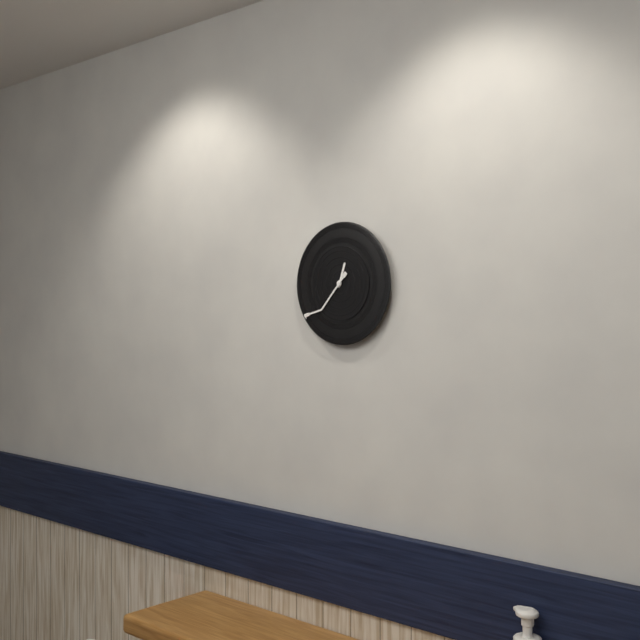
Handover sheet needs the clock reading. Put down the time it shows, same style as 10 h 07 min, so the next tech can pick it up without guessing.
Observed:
12 h 37 min
